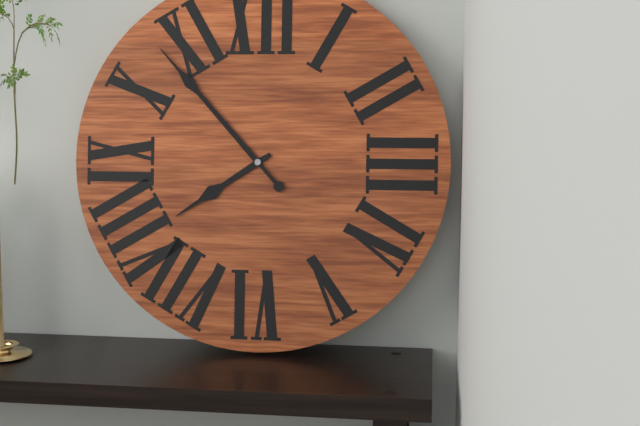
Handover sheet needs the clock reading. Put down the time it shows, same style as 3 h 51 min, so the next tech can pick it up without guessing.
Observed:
7 h 53 min
